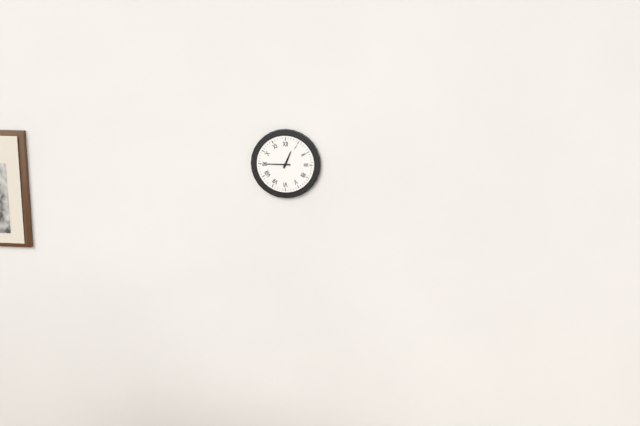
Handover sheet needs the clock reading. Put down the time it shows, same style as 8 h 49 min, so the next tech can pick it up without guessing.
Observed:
12 h 45 min
